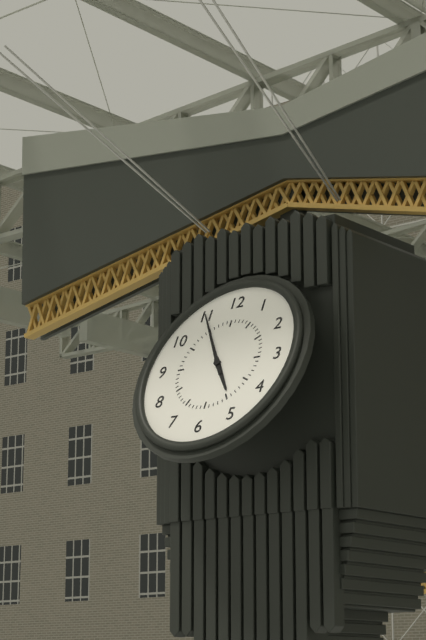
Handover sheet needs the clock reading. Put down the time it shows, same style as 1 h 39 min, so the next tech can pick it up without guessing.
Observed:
4 h 55 min
